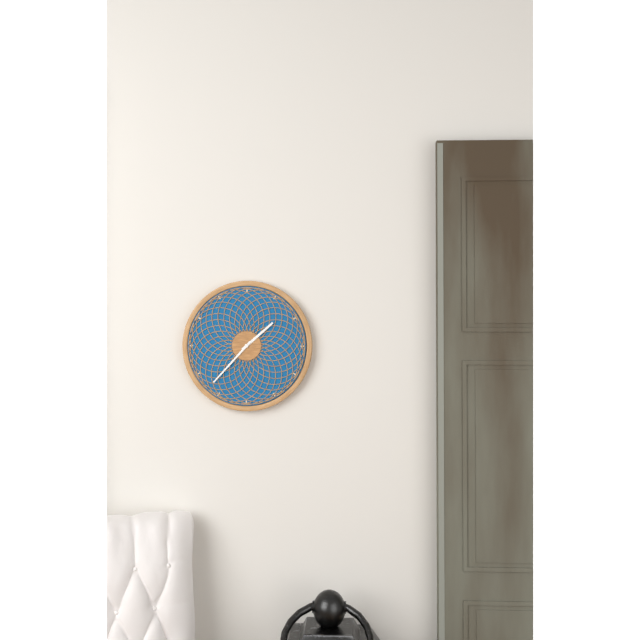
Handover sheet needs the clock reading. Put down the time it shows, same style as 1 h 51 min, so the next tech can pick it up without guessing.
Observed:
1 h 37 min
